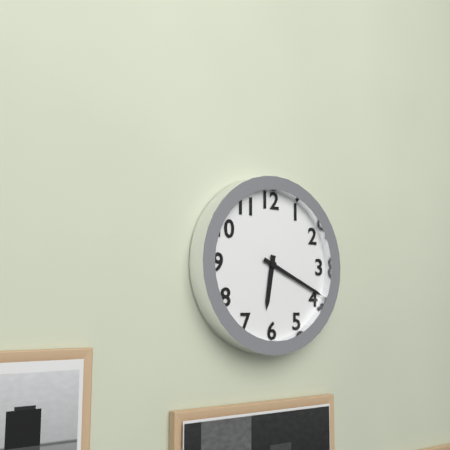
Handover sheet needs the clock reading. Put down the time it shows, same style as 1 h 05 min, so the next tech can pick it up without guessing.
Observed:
6 h 19 min
